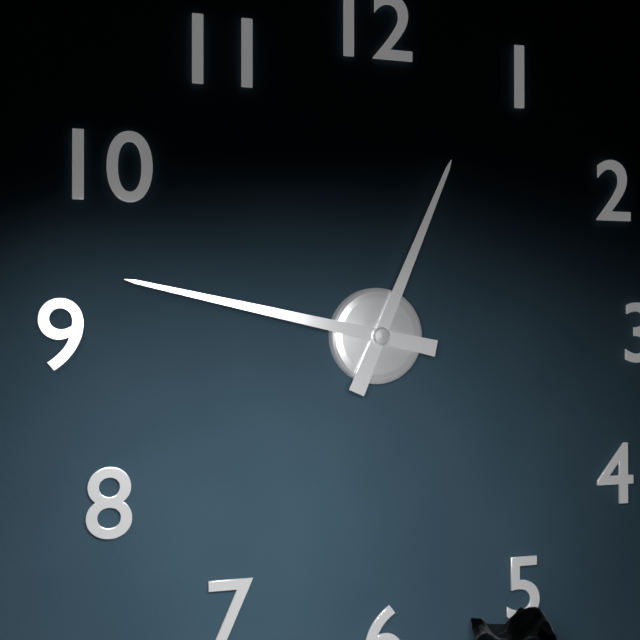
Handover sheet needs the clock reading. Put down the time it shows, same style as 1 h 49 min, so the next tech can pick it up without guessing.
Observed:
12 h 47 min
